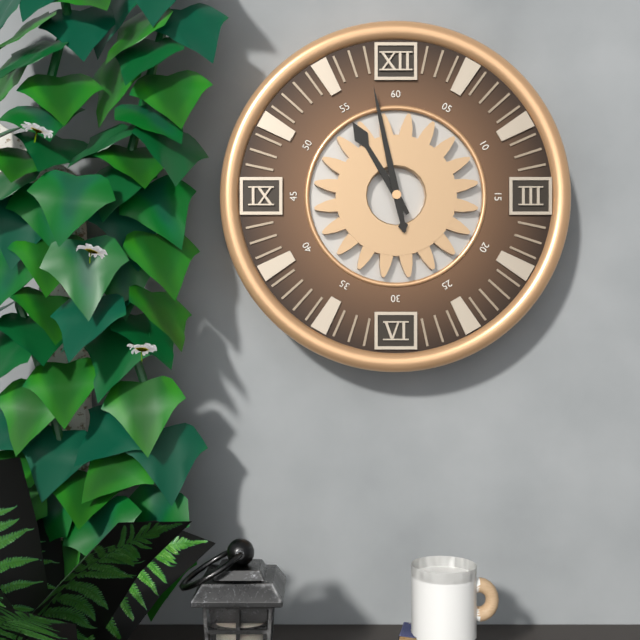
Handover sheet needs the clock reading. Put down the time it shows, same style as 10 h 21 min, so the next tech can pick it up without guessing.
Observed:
10 h 58 min
